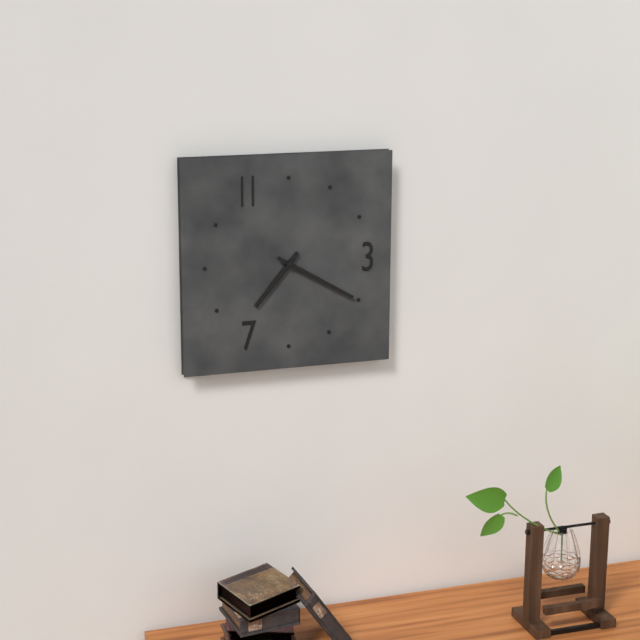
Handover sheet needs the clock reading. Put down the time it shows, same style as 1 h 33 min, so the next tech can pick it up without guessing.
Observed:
7 h 20 min
